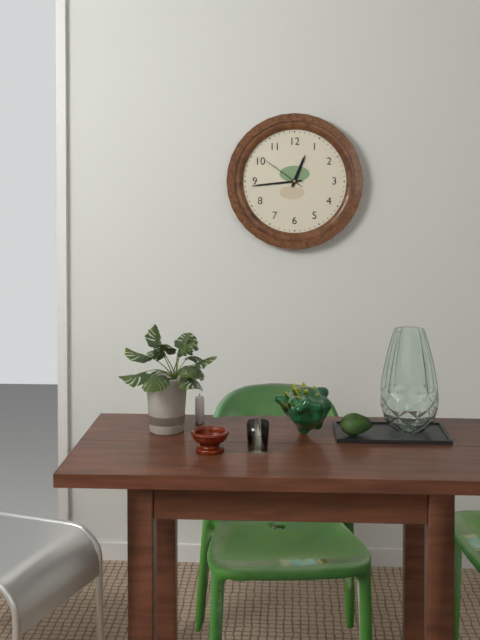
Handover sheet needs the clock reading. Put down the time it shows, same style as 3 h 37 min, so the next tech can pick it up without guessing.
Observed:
12 h 44 min
